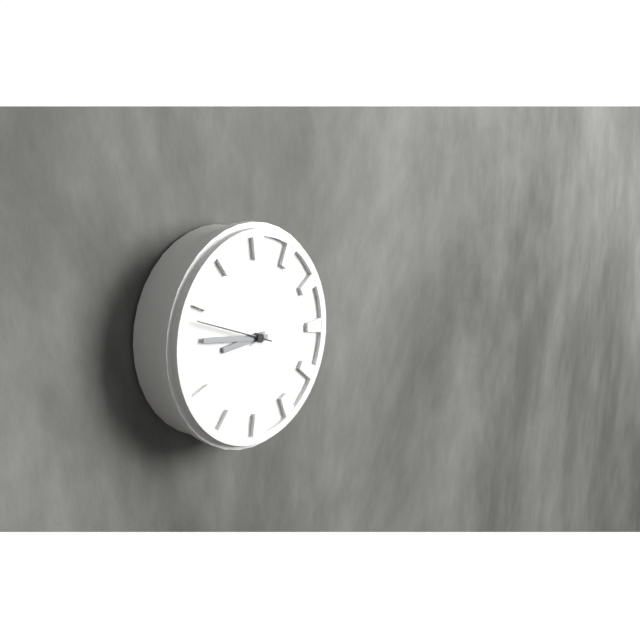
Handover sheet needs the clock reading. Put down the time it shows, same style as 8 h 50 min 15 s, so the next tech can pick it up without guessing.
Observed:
8 h 46 min 48 s
